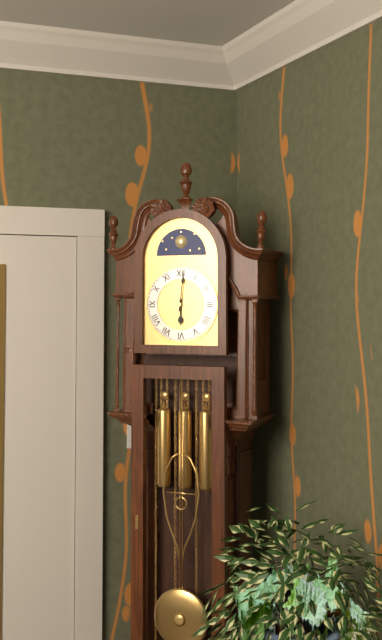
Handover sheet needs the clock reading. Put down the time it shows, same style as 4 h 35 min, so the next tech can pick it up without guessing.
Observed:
6 h 01 min
